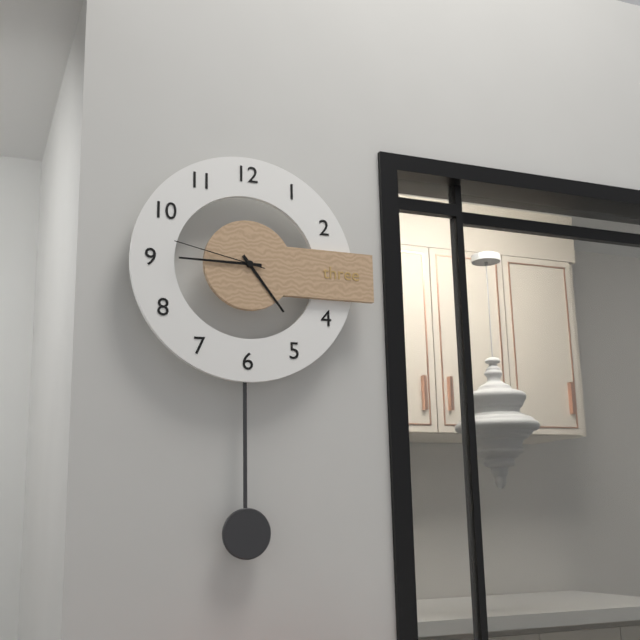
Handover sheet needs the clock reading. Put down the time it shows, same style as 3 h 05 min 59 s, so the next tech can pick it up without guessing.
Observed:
4 h 45 min 47 s
